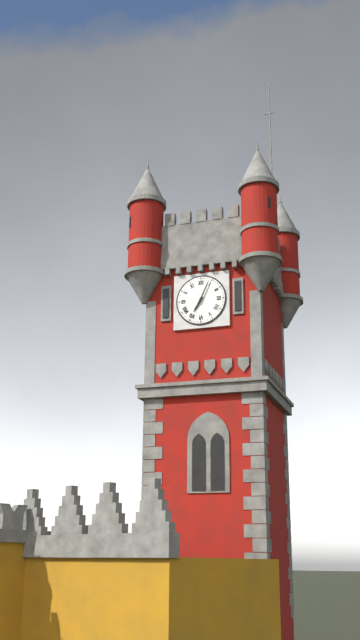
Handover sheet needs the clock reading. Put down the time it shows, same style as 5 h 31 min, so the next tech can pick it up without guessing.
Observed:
7 h 04 min
